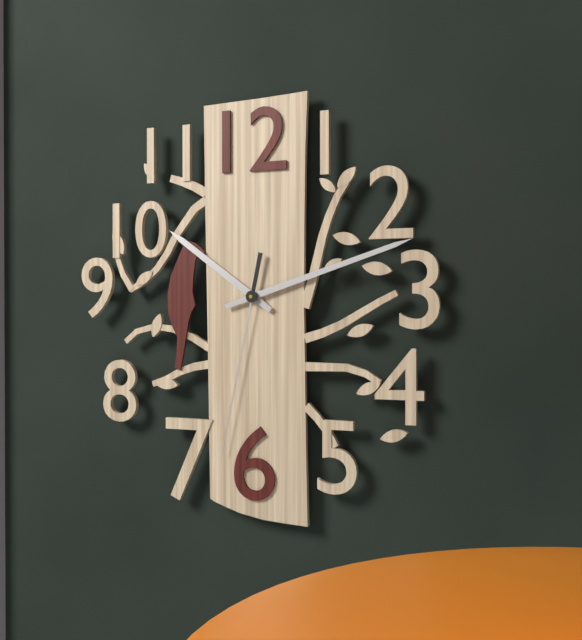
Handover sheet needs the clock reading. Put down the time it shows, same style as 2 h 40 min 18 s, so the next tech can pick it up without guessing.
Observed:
10 h 12 min 32 s
